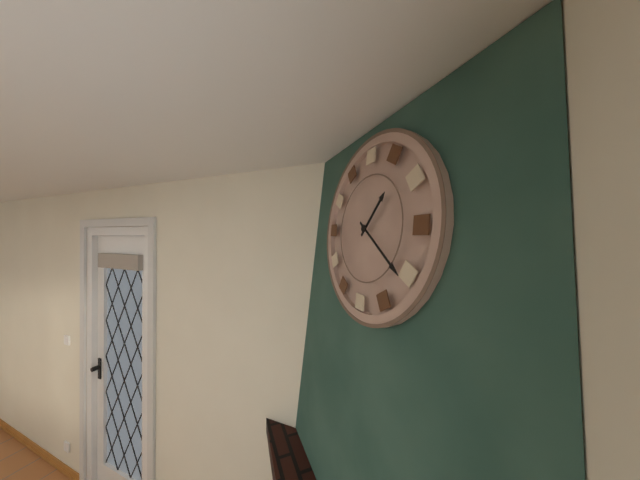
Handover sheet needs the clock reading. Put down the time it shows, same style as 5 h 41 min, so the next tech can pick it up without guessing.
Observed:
1 h 21 min
